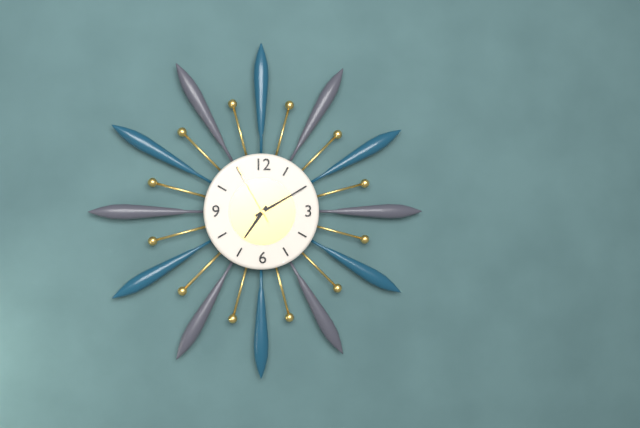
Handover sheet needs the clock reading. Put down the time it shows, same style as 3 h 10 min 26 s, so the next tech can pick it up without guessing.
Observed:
7 h 10 min 55 s
